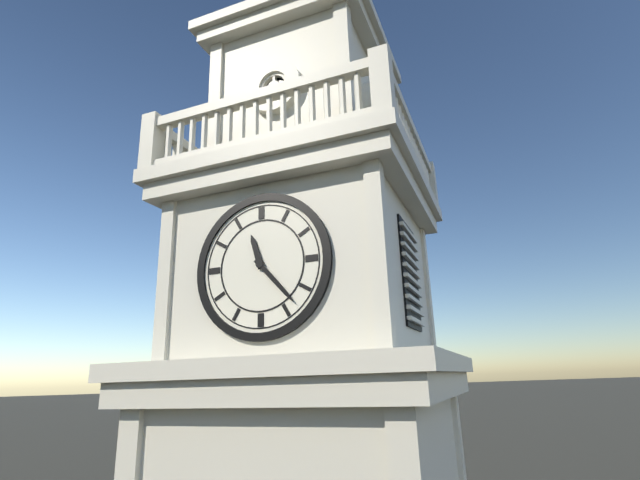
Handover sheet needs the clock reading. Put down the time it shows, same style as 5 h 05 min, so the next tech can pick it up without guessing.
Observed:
11 h 23 min
